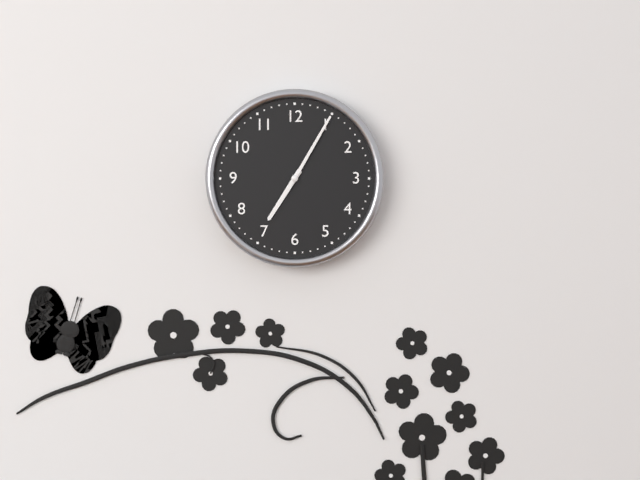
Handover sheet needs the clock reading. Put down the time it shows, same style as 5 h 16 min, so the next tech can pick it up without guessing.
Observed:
7 h 05 min
